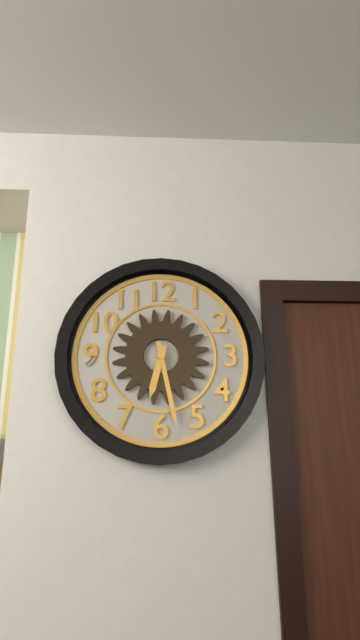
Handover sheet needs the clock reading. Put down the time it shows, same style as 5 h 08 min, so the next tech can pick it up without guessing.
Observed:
6 h 28 min
